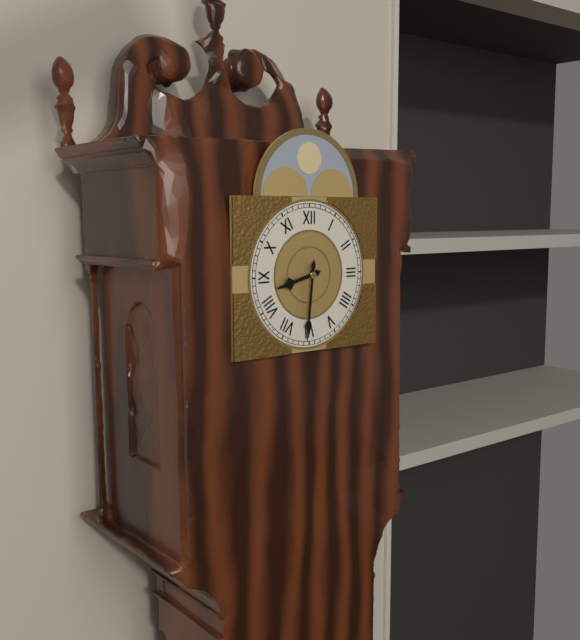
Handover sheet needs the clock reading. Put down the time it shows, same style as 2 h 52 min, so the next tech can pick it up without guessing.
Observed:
8 h 31 min
